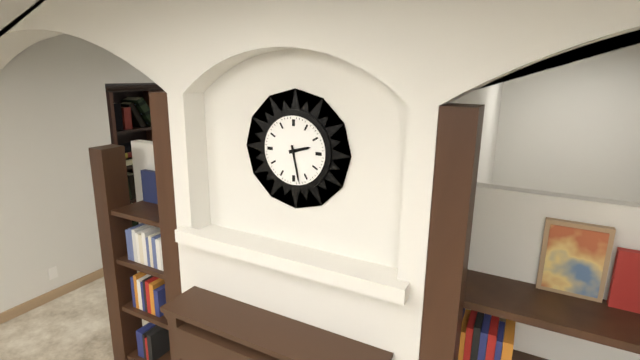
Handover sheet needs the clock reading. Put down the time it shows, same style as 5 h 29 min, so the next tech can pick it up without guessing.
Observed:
2 h 28 min
